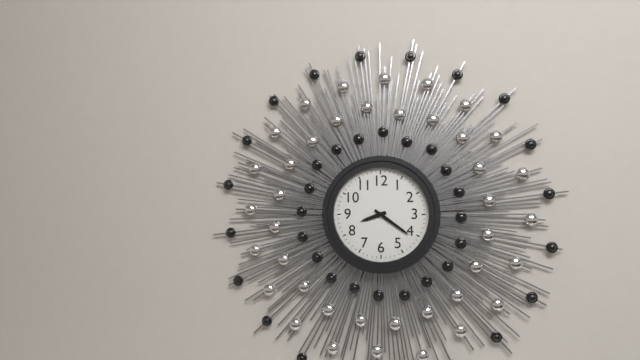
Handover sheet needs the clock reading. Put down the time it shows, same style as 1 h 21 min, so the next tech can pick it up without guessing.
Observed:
8 h 21 min
